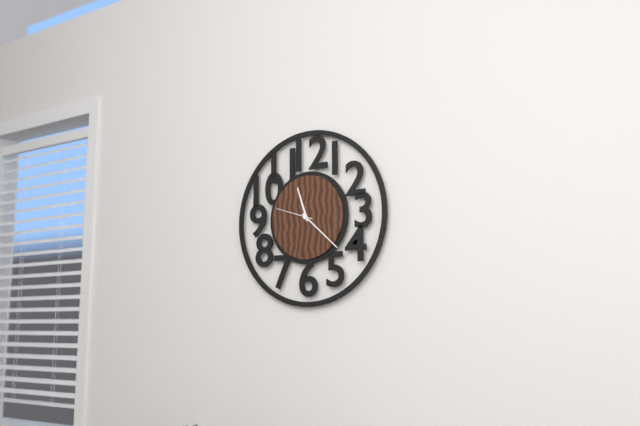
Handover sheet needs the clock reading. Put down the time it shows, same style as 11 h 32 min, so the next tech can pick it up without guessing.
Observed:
11 h 22 min
